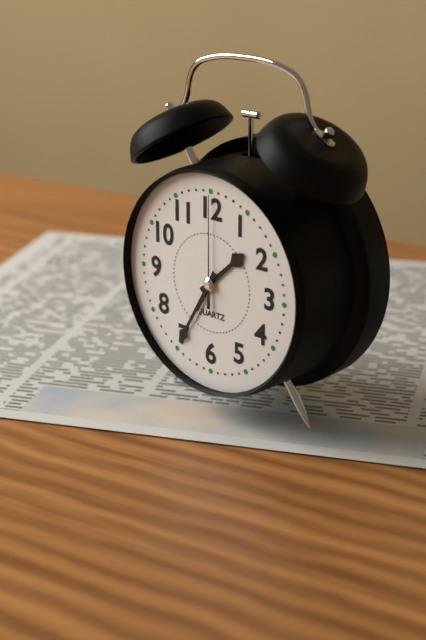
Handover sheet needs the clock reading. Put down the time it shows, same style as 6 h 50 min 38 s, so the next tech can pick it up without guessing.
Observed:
1 h 35 min 00 s
